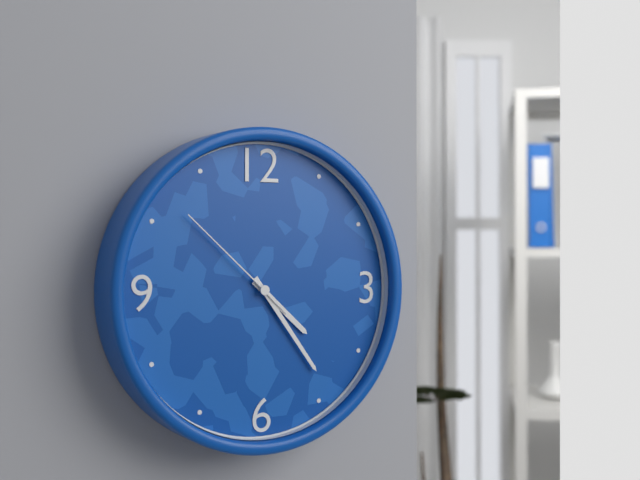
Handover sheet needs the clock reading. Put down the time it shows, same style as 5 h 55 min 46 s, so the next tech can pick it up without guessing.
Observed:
4 h 24 min 52 s
